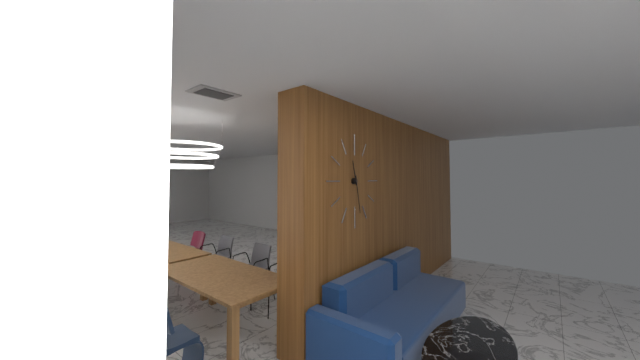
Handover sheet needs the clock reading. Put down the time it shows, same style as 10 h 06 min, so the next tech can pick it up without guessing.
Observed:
11 h 28 min
